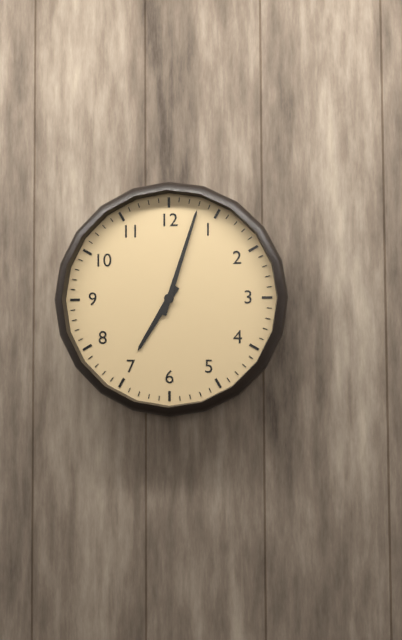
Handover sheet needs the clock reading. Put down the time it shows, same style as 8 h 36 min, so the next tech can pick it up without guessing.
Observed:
7 h 03 min
